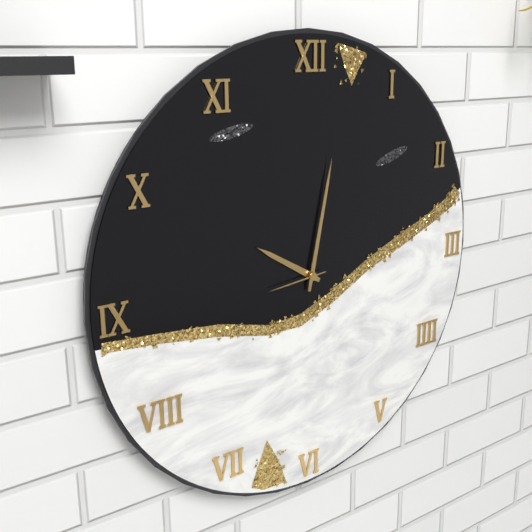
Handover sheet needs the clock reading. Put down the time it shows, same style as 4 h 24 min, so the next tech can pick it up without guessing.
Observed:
10 h 02 min
